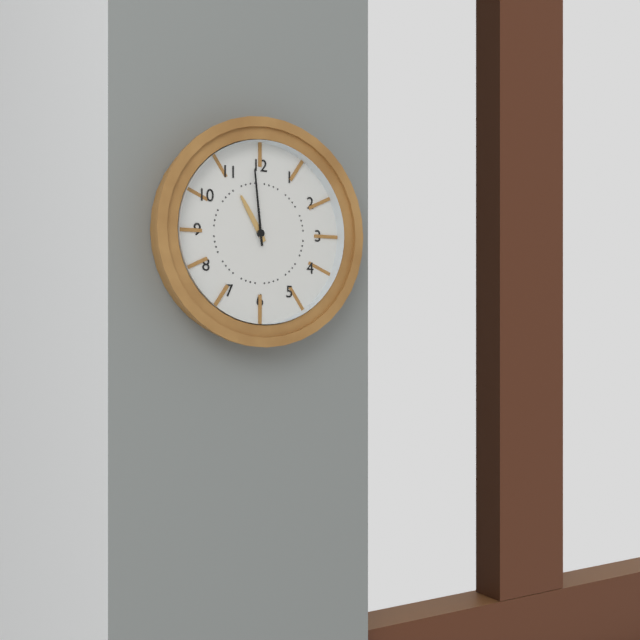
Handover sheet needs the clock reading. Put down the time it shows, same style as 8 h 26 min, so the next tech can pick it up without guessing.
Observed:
10 h 59 min
